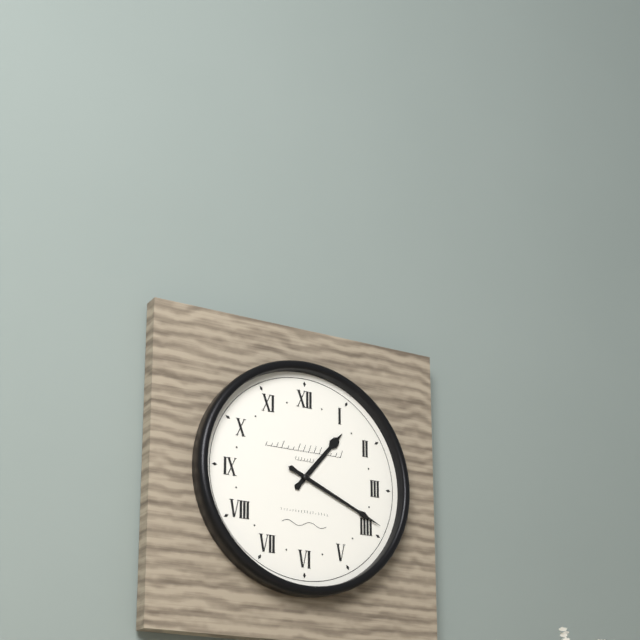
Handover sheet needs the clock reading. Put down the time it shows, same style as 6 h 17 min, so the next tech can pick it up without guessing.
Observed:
1 h 19 min
